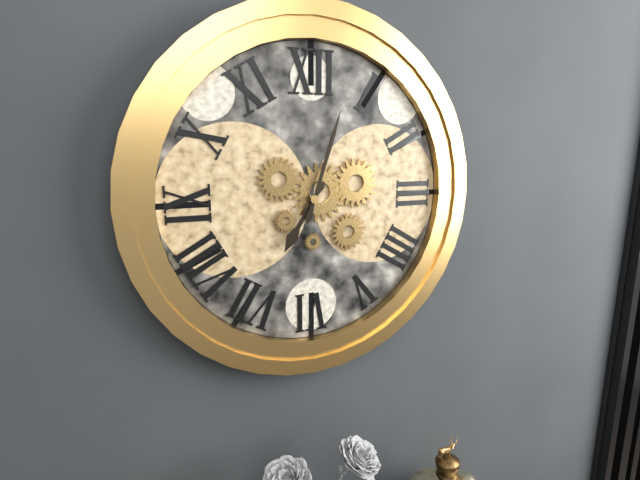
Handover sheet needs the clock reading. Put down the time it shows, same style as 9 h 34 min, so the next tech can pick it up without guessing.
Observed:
7 h 03 min
